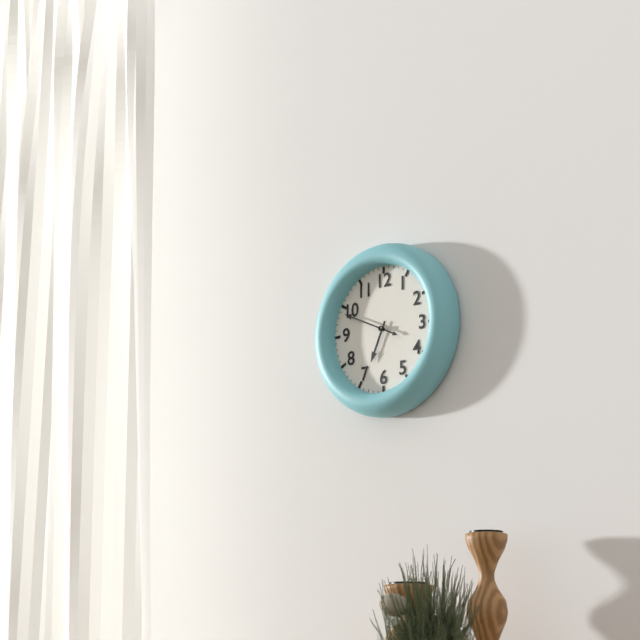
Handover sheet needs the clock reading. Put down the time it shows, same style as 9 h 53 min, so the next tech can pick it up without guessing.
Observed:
6 h 49 min
